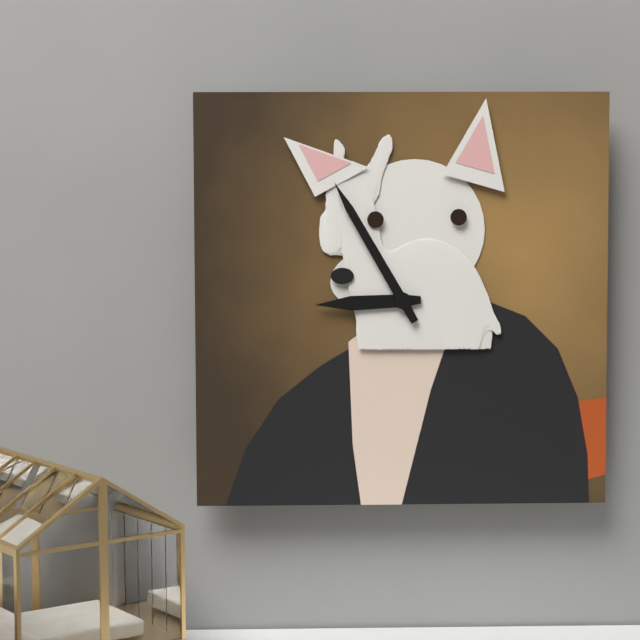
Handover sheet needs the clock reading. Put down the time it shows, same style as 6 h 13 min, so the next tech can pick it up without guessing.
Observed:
8 h 55 min
